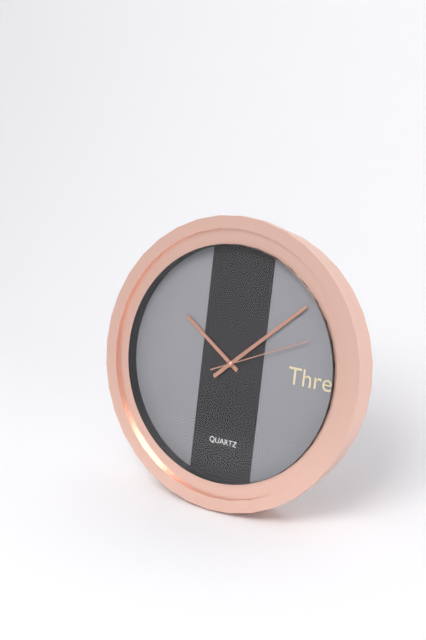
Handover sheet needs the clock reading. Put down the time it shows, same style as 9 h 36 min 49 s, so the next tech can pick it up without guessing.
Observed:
10 h 08 min 11 s
